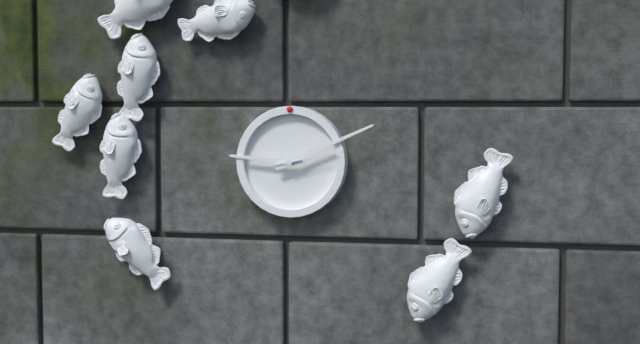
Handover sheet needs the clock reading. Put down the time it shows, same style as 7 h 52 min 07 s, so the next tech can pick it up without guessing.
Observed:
9 h 11 min 13 s
